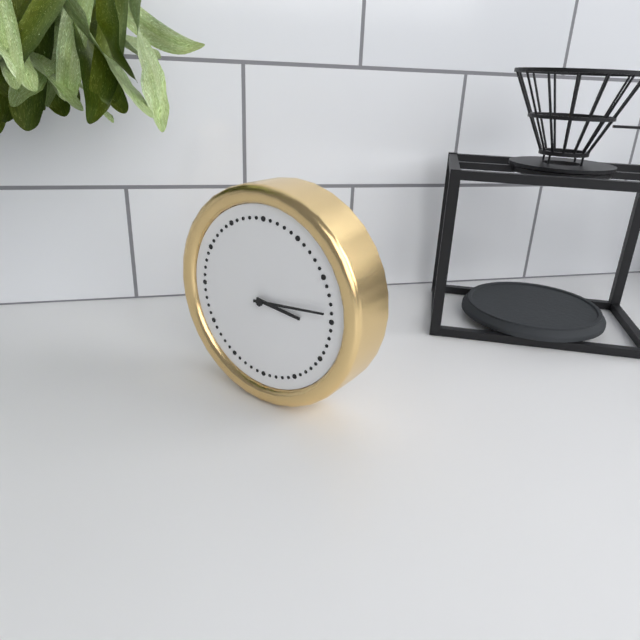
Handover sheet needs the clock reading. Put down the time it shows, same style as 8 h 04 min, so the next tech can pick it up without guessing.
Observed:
3 h 14 min
